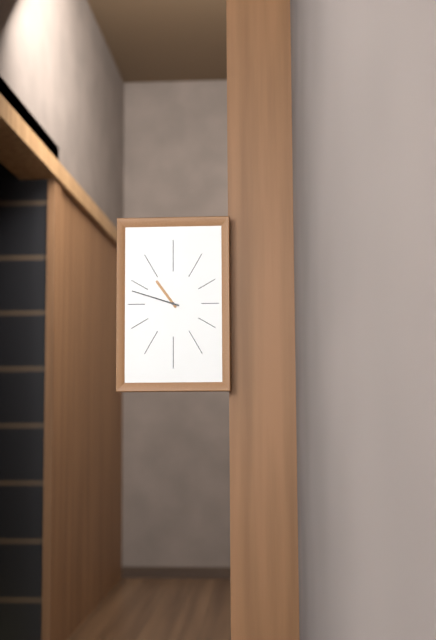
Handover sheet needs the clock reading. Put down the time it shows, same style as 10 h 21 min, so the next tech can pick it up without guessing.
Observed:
10 h 48 min
